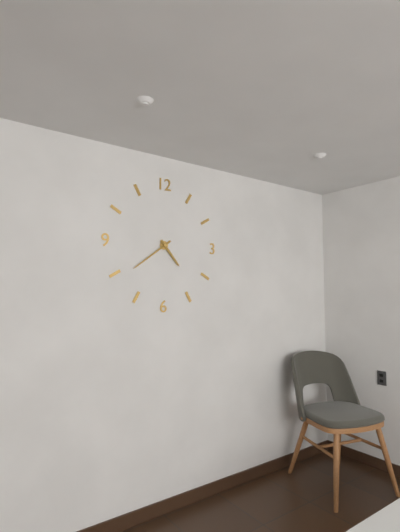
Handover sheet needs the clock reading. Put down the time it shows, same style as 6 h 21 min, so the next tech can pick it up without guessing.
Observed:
4 h 39 min
